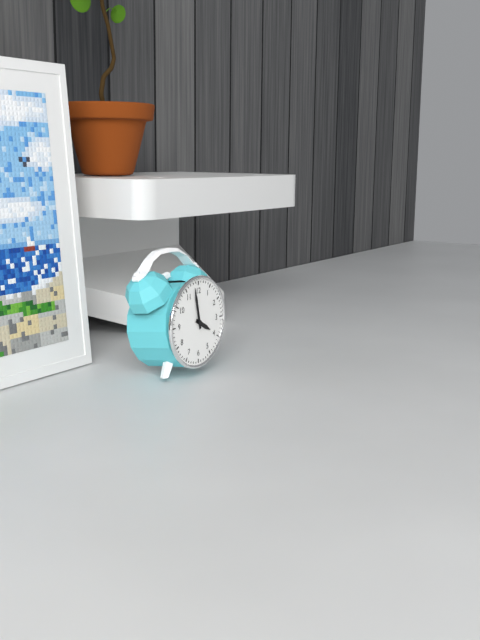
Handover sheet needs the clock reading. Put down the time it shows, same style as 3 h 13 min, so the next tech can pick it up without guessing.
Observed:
3 h 58 min
